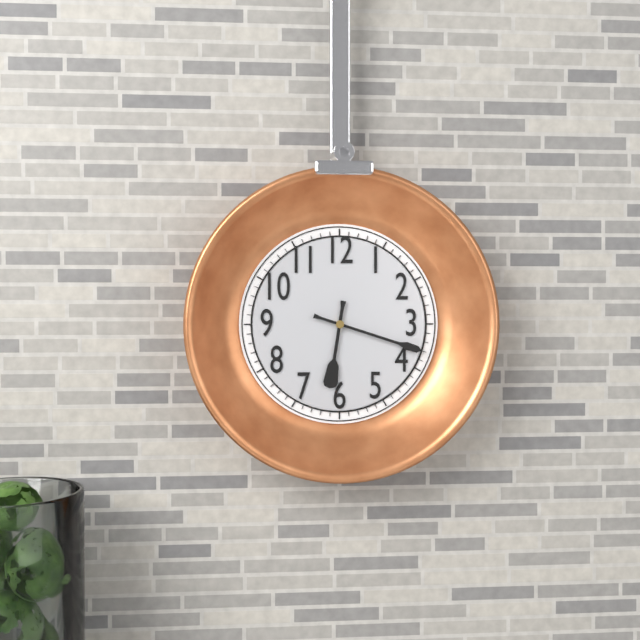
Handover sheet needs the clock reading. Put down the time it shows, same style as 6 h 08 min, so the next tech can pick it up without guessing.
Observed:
6 h 18 min
